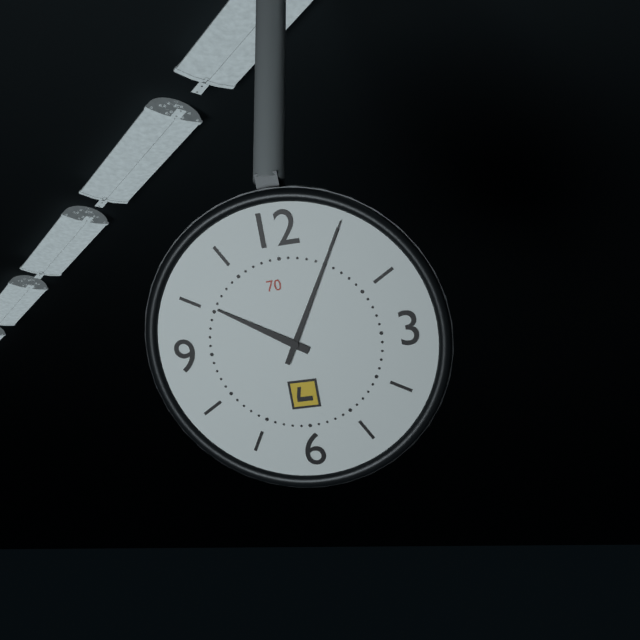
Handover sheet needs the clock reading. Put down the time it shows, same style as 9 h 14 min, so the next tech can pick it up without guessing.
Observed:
10 h 05 min
